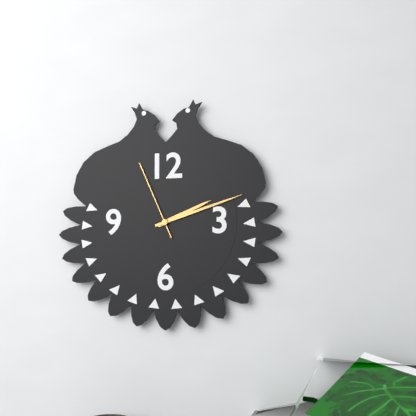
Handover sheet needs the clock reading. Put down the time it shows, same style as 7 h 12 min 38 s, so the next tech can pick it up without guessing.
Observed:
2 h 12 min 56 s
